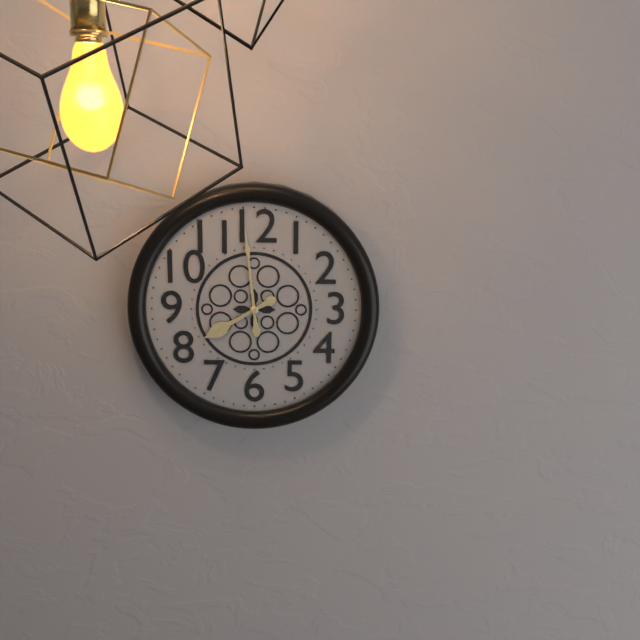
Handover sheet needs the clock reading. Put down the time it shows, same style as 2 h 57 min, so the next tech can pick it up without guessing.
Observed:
7 h 59 min
